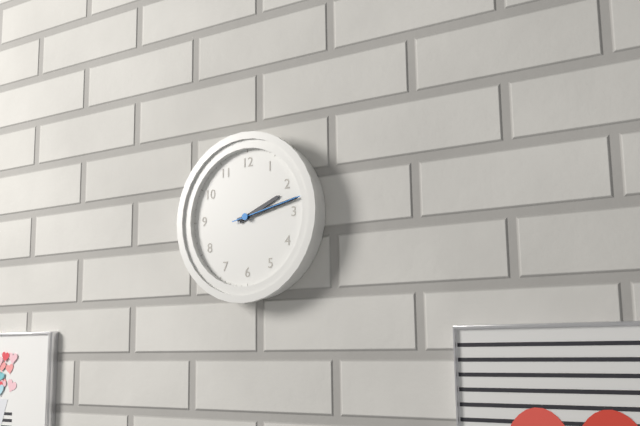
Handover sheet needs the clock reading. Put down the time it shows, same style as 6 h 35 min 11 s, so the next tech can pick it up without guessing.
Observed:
2 h 13 min 13 s
